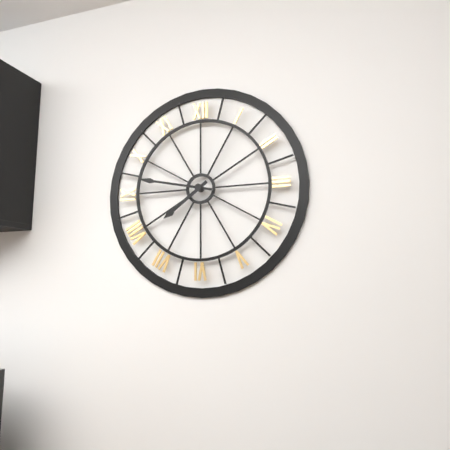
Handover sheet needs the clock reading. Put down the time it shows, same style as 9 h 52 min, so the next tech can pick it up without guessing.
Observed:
7 h 47 min
